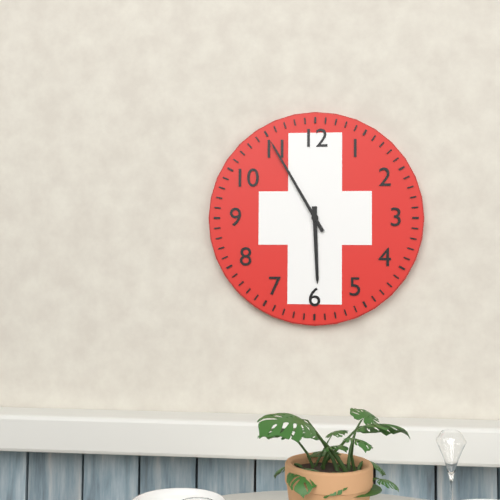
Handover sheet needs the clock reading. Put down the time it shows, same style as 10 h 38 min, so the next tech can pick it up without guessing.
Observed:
5 h 55 min
